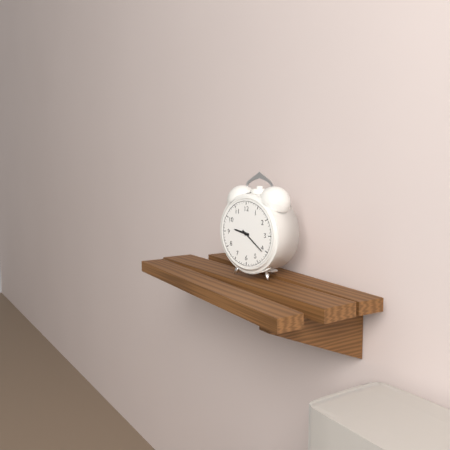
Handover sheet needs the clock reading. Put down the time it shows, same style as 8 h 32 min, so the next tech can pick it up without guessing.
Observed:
9 h 21 min
